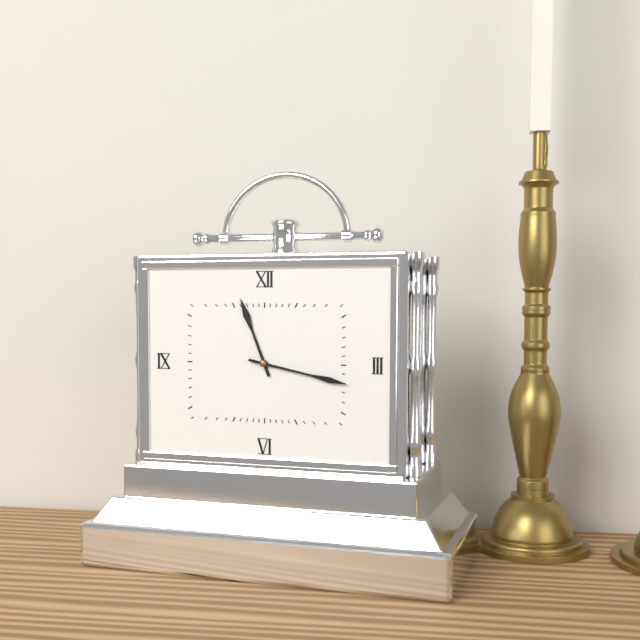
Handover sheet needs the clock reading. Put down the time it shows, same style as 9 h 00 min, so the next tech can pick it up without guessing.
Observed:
11 h 17 min
